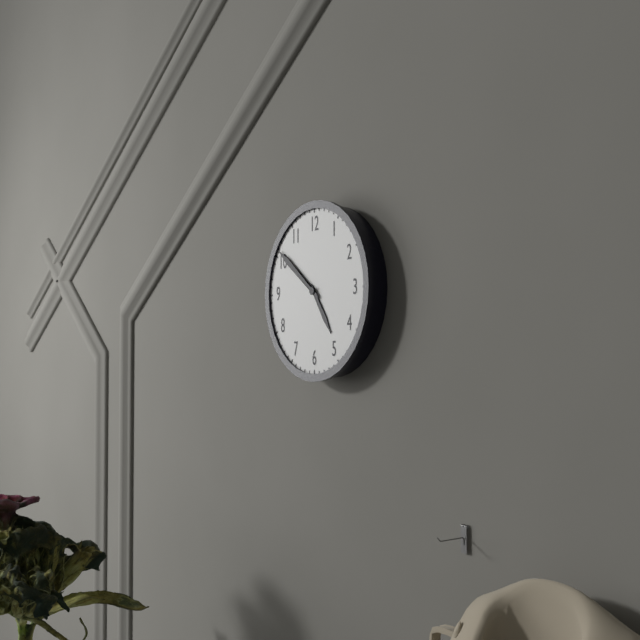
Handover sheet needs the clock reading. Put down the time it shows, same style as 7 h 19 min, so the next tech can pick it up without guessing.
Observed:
4 h 51 min
